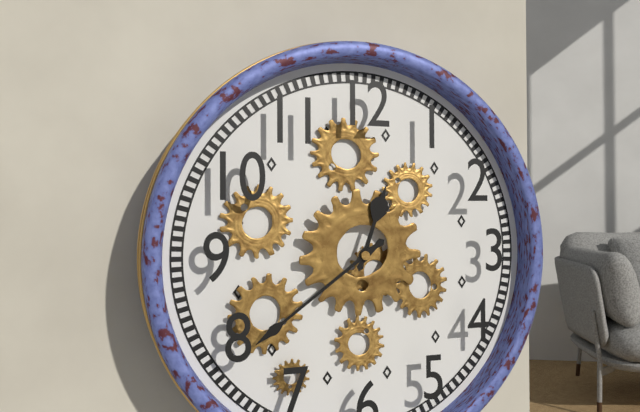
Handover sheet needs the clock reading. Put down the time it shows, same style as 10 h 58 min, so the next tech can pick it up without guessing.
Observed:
12 h 39 min
